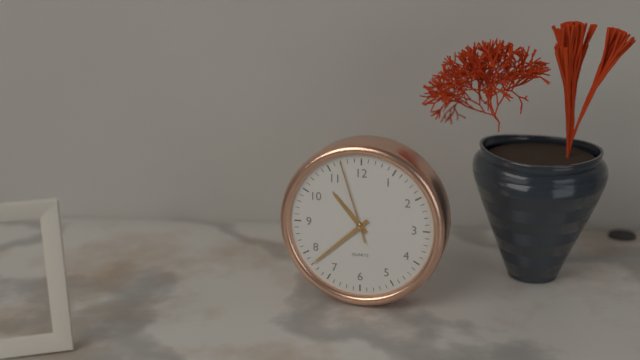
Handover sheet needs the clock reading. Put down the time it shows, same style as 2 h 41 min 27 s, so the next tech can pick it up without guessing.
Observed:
10 h 38 min 57 s
